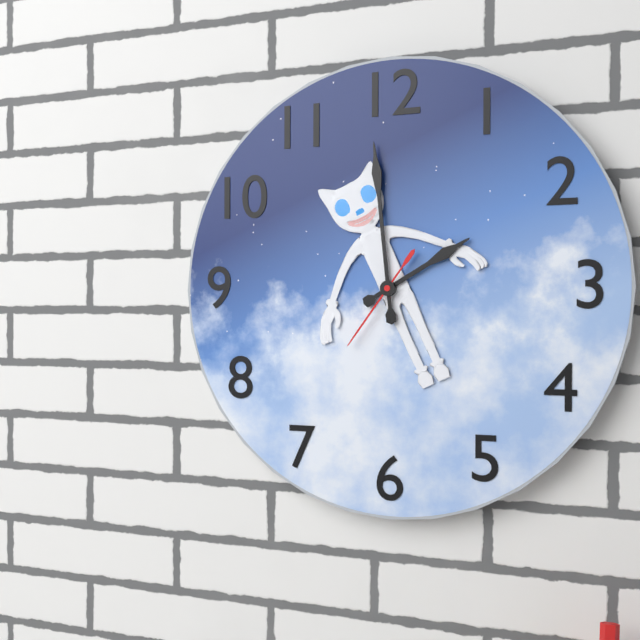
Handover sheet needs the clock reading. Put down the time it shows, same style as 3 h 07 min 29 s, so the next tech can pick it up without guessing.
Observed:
1 h 59 min 36 s
